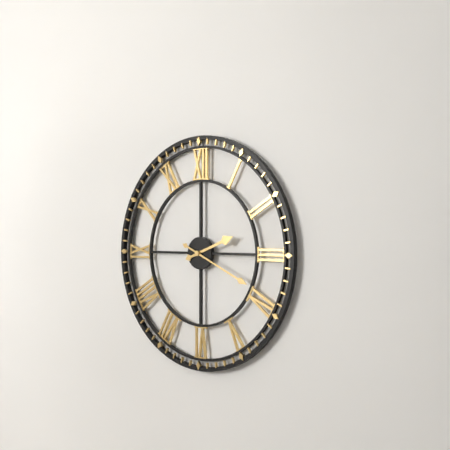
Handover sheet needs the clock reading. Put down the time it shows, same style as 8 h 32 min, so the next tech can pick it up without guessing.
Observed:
2 h 19 min
